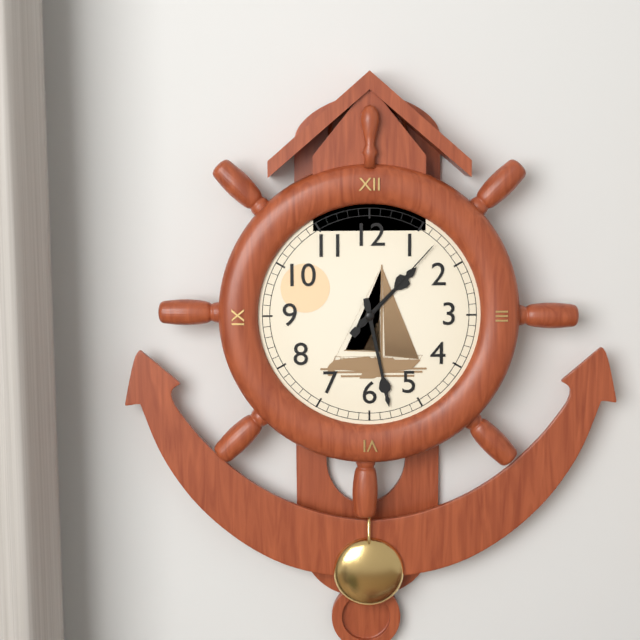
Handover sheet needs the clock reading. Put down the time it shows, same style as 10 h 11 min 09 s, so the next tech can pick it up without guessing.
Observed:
1 h 28 min 07 s
